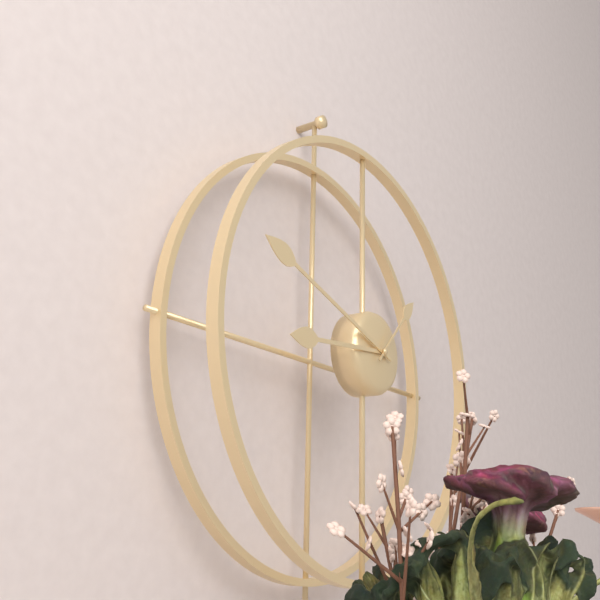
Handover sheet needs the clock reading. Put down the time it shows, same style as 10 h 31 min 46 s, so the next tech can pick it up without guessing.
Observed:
8 h 48 min 07 s
